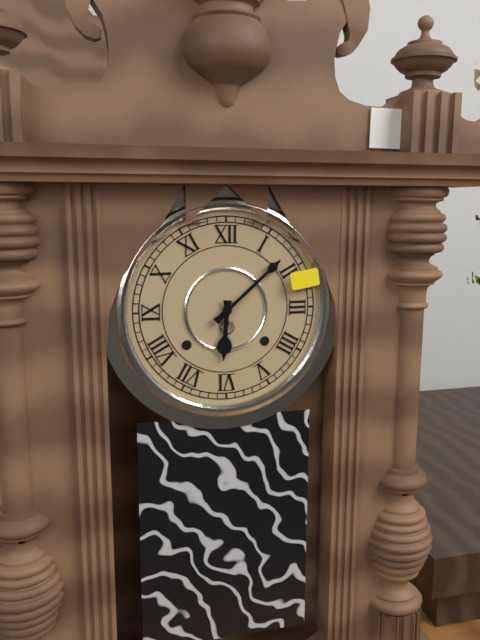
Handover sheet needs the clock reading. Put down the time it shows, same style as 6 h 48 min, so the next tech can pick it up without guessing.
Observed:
6 h 08 min
